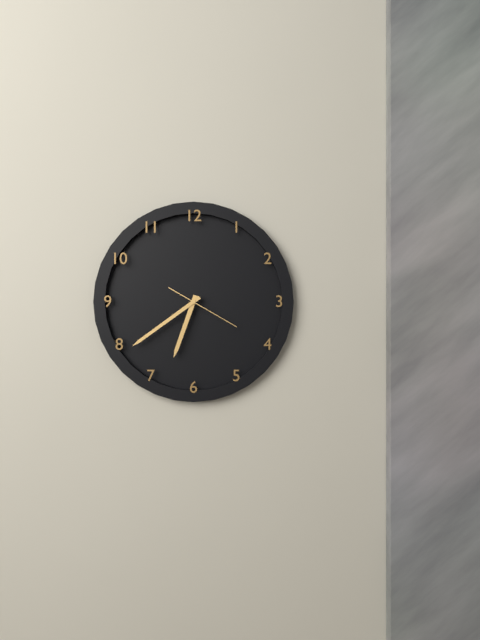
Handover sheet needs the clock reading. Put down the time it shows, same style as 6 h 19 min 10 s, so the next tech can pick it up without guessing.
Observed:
6 h 39 min 20 s
